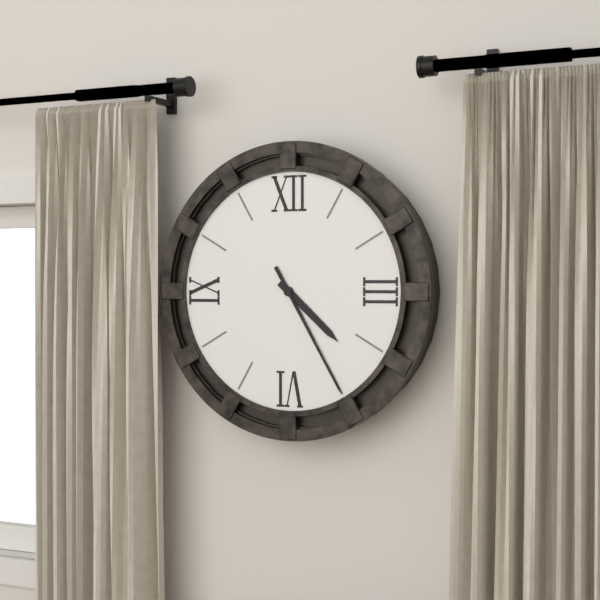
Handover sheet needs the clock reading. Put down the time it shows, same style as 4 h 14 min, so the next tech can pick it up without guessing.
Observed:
4 h 25 min
